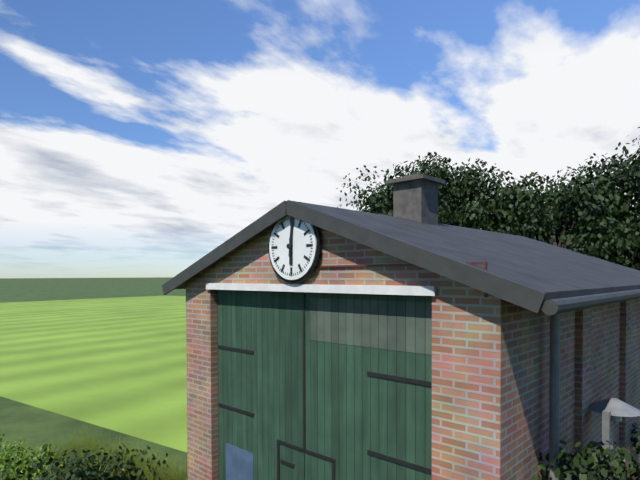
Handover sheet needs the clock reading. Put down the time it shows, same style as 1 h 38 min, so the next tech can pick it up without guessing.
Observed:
6 h 01 min
